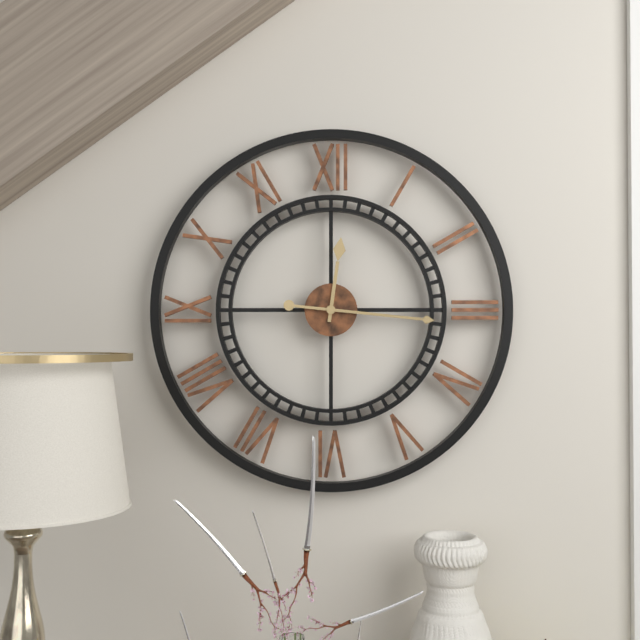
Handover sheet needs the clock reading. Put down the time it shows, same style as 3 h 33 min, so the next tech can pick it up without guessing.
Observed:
12 h 16 min
